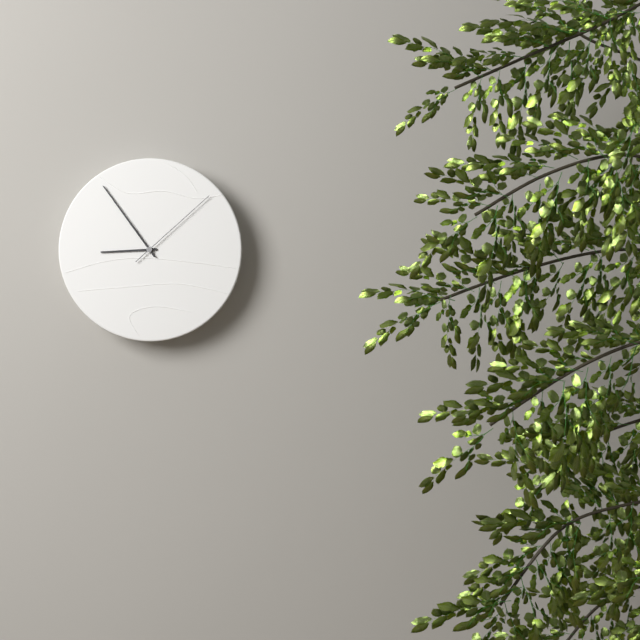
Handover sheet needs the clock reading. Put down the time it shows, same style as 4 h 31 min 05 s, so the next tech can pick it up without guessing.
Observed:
8 h 54 min 08 s
